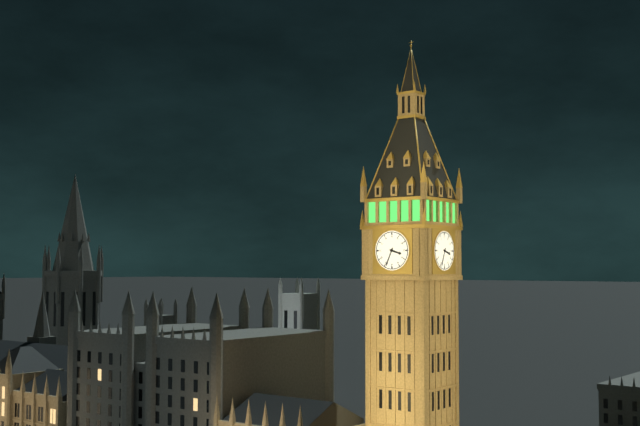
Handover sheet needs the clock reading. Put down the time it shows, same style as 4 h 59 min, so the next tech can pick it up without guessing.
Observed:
3 h 34 min
